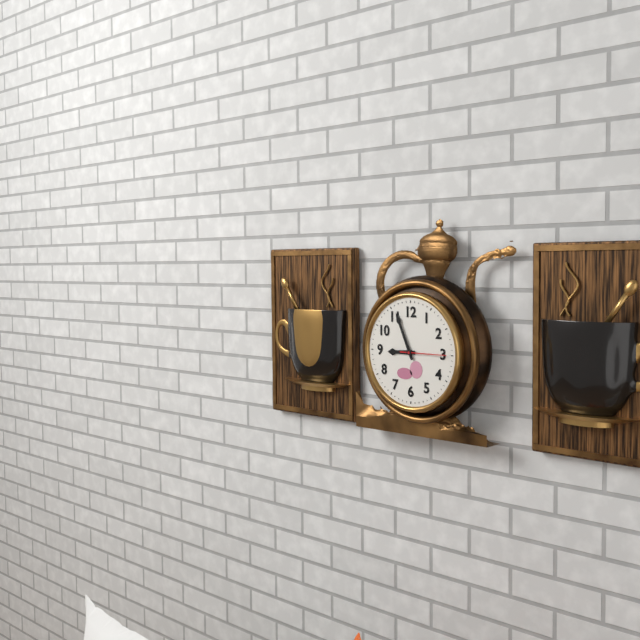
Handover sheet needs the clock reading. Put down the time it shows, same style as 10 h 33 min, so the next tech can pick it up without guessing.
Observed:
8 h 56 min
